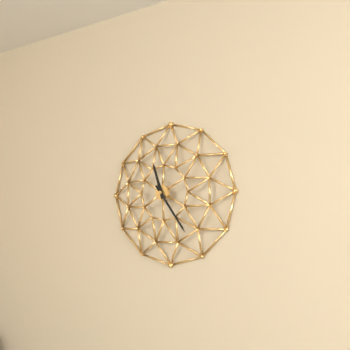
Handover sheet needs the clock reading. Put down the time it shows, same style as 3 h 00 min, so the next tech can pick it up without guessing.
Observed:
11 h 24 min
